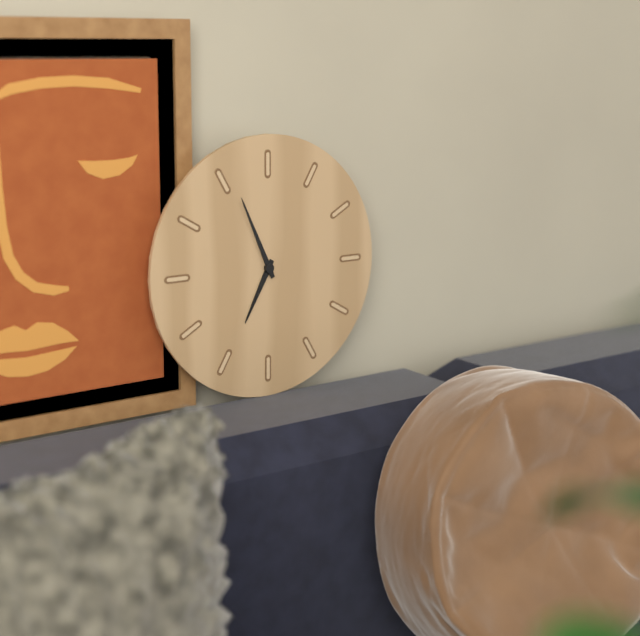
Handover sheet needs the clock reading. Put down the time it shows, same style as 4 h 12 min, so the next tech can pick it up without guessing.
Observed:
6 h 56 min
